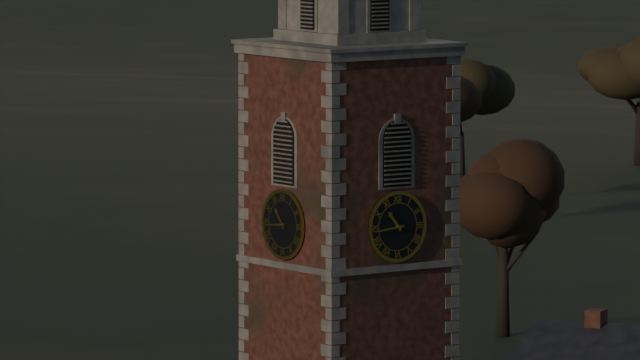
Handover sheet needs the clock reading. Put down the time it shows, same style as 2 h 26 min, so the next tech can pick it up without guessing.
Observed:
10 h 44 min
